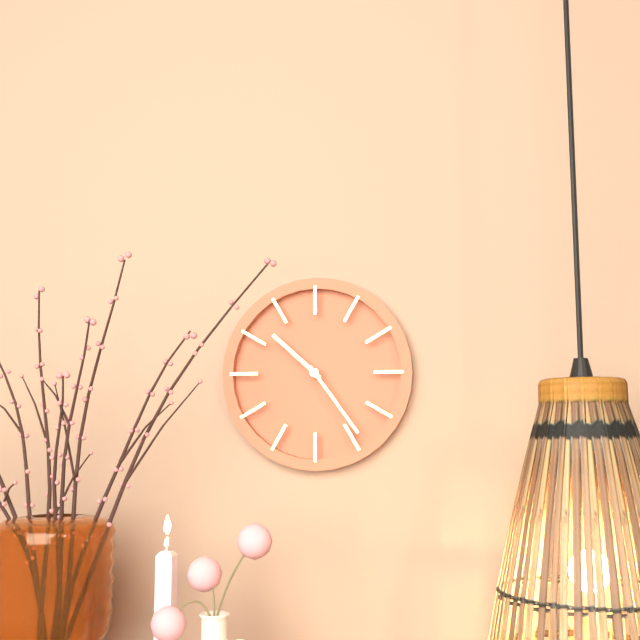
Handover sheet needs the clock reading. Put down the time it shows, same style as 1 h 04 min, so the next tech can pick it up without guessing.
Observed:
10 h 24 min
